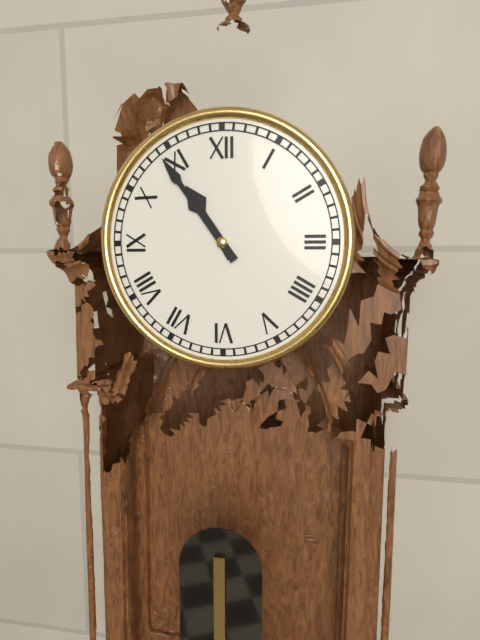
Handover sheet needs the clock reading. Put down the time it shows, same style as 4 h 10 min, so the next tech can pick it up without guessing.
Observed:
10 h 54 min
